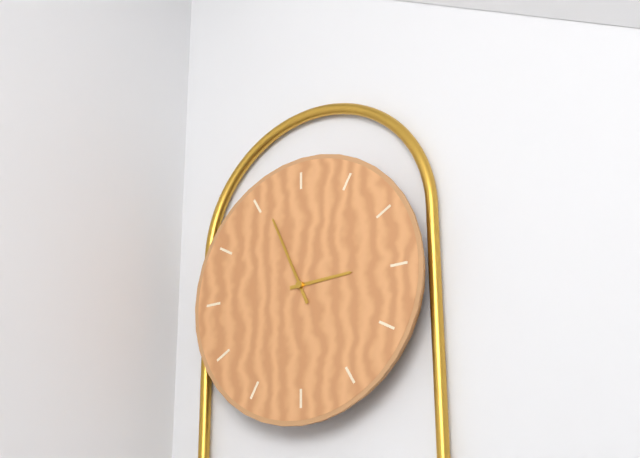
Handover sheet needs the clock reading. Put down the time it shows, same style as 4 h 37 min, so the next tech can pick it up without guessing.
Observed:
2 h 56 min
